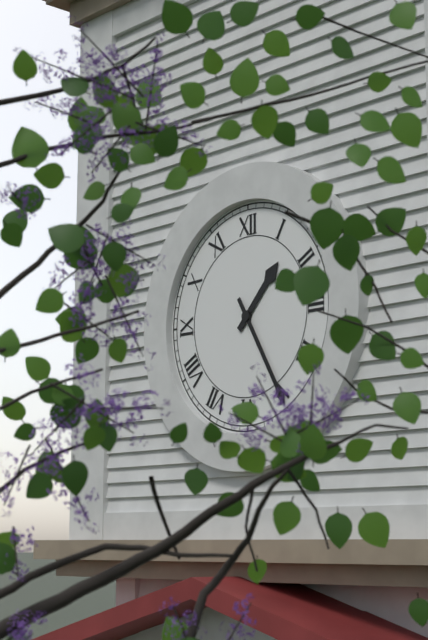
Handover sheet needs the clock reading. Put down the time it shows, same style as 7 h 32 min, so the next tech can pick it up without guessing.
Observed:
1 h 25 min
